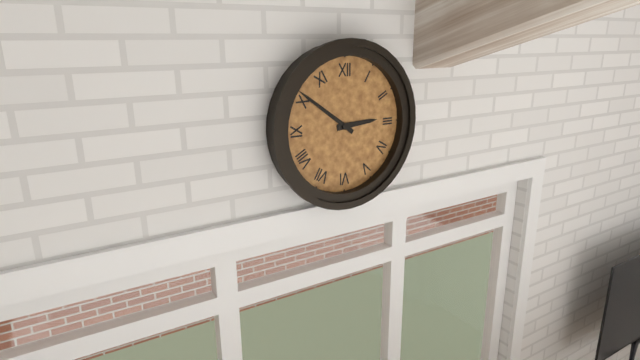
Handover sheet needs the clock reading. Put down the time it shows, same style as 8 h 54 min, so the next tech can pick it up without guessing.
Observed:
2 h 51 min
